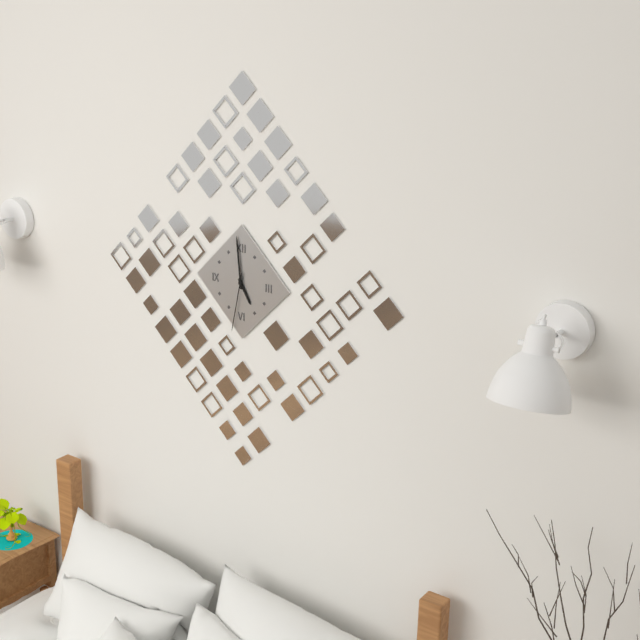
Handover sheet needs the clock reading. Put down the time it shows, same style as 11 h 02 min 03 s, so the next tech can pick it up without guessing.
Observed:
4 h 59 min 32 s
